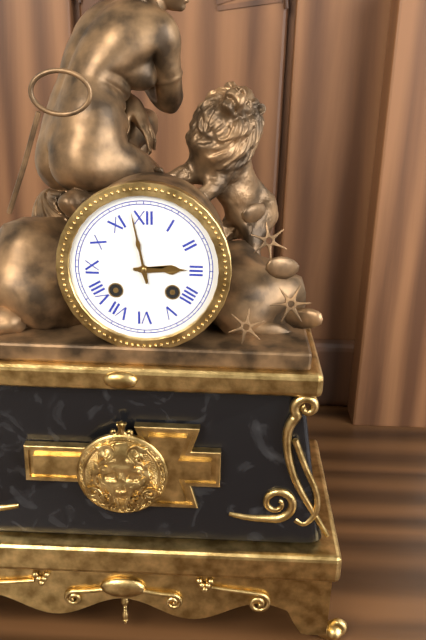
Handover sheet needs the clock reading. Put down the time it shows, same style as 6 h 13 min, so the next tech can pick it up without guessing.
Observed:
2 h 58 min
